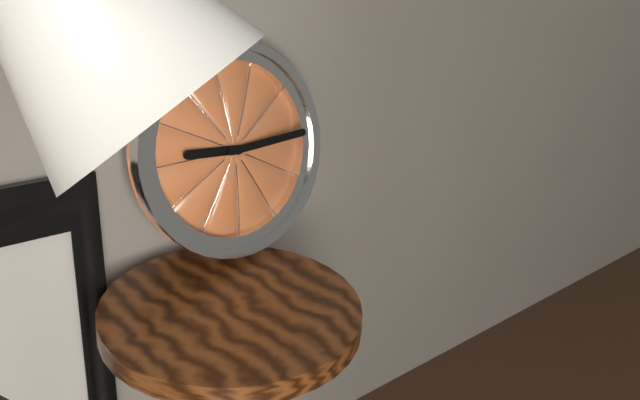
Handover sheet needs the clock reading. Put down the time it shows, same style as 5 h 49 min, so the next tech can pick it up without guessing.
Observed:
9 h 15 min
